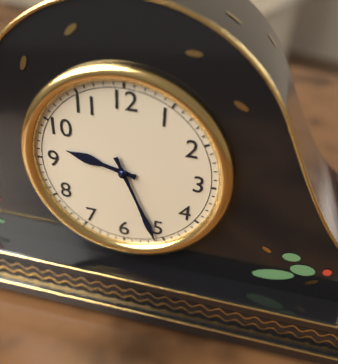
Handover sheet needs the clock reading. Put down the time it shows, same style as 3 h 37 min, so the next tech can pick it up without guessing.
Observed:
9 h 26 min
